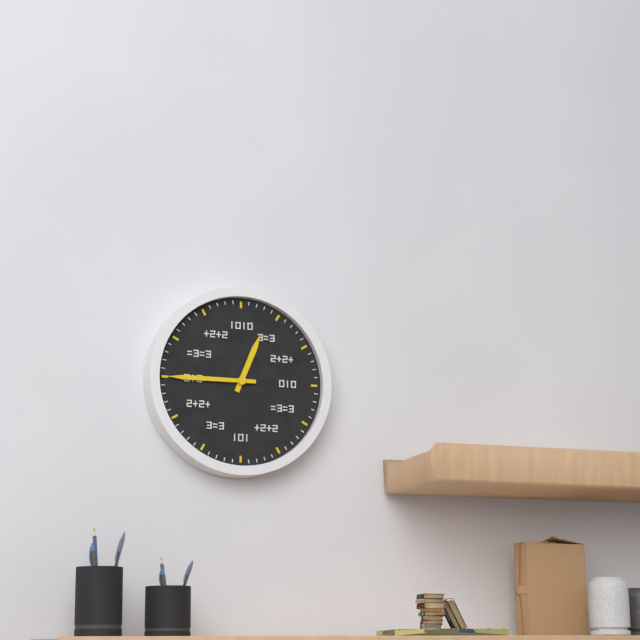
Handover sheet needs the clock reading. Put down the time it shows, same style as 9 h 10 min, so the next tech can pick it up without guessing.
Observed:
12 h 45 min
